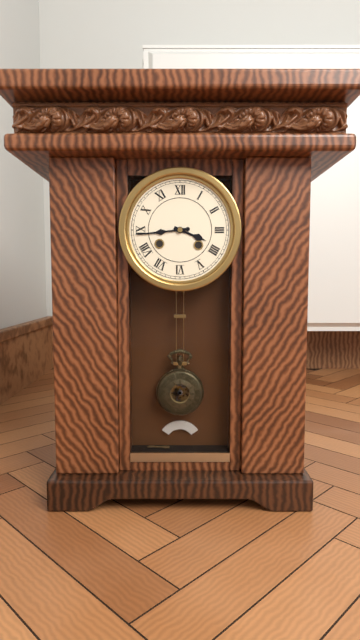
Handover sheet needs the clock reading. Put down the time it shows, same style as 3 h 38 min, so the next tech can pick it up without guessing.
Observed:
3 h 44 min
